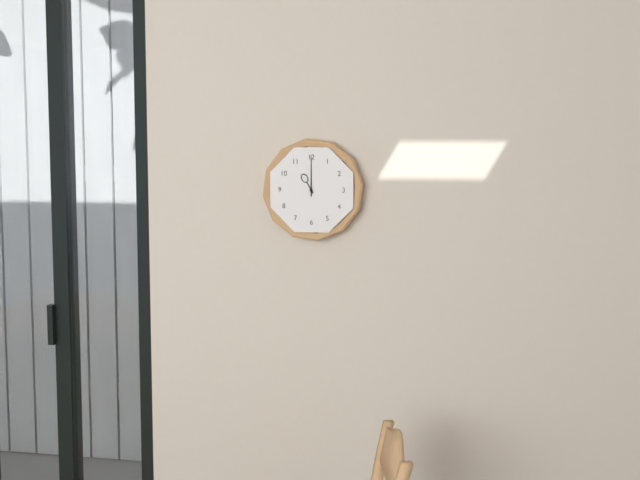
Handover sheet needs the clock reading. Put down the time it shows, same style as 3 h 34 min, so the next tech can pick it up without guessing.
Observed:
11 h 00 min
